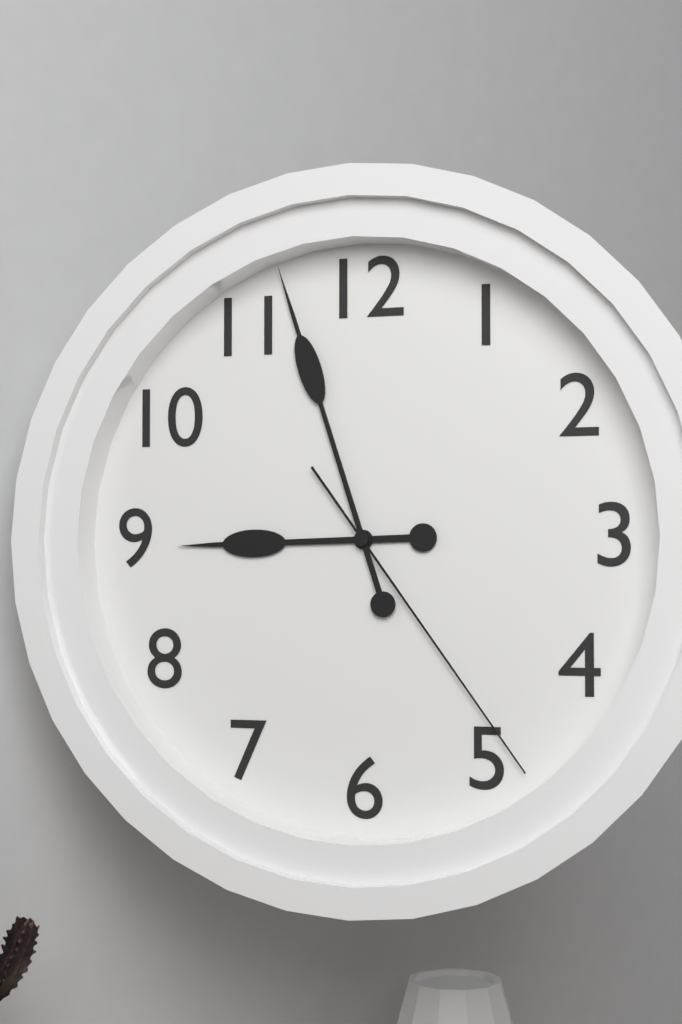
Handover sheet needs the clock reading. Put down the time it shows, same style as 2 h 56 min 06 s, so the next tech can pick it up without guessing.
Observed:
8 h 57 min 24 s
